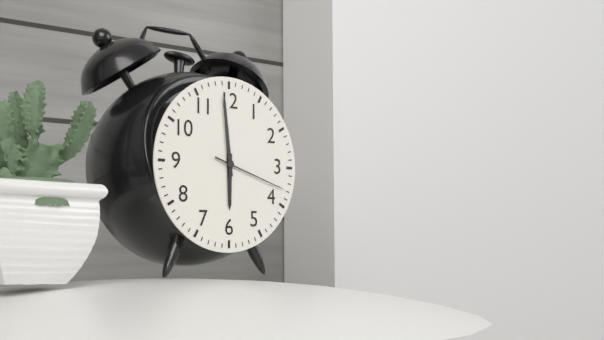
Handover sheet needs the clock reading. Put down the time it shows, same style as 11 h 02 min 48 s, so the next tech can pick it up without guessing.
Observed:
5 h 59 min 18 s
